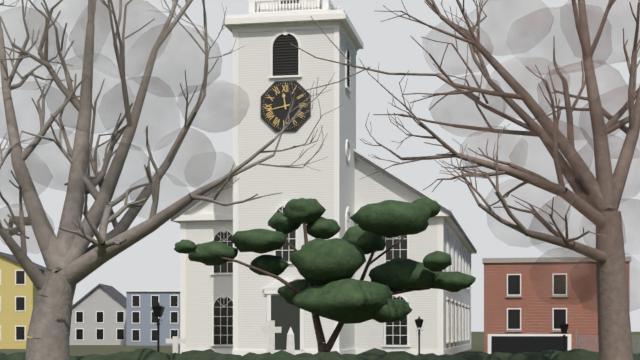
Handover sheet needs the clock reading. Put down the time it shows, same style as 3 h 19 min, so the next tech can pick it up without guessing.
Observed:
11 h 43 min
